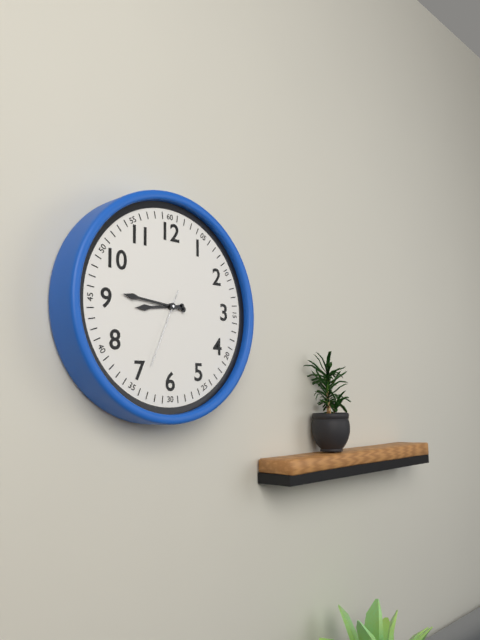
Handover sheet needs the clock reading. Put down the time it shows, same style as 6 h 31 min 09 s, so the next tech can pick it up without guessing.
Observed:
8 h 46 min 34 s
